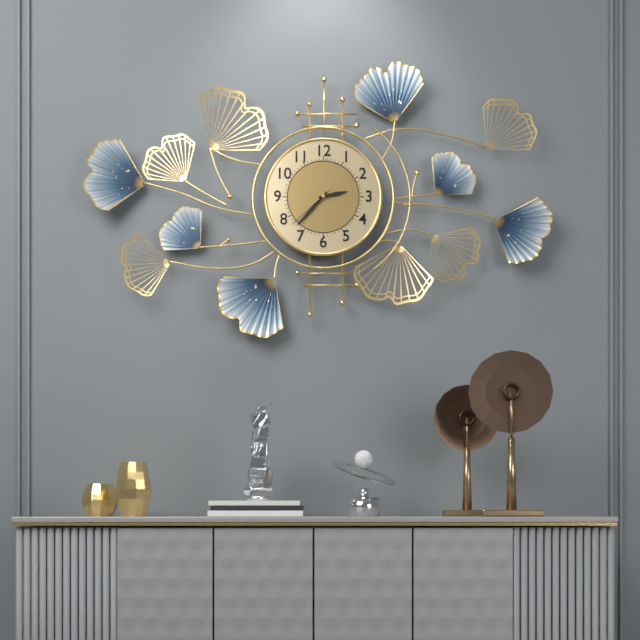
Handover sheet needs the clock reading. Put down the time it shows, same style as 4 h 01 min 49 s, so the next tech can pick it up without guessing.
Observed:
2 h 37 min 38 s
